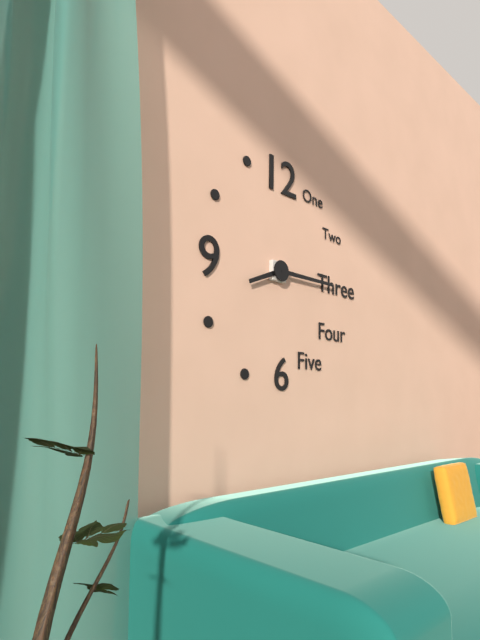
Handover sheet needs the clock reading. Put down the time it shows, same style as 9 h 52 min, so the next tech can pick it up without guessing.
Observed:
8 h 15 min
